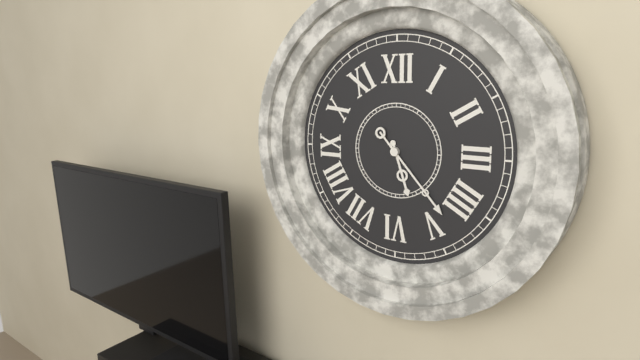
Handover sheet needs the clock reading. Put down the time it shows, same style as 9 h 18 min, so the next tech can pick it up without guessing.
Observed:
5 h 23 min
